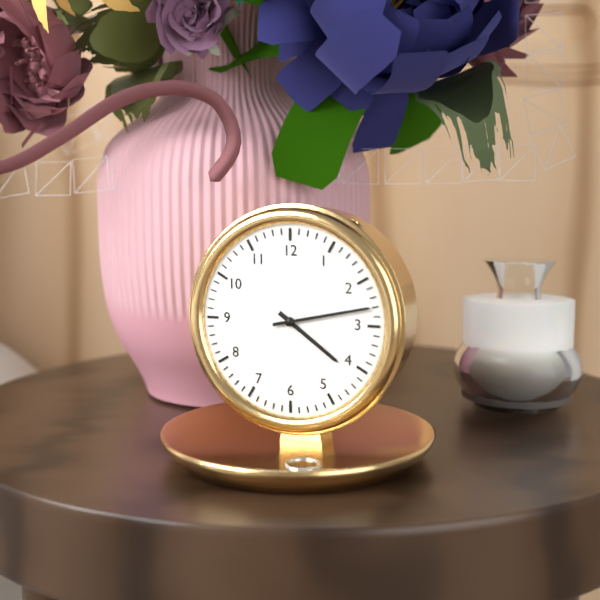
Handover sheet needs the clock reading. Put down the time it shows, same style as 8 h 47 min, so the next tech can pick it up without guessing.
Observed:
4 h 13 min
